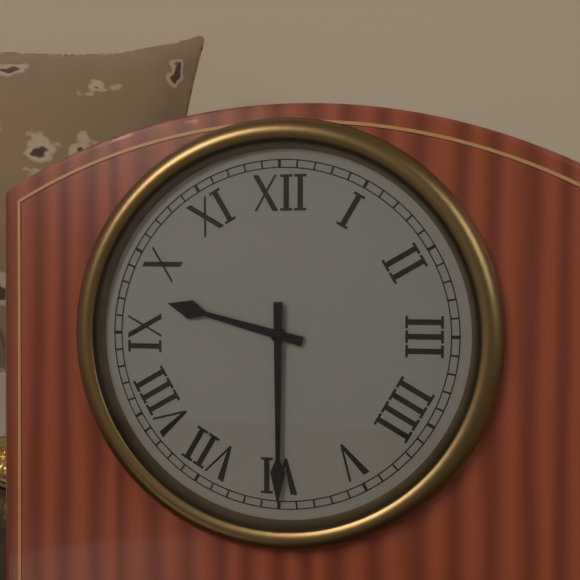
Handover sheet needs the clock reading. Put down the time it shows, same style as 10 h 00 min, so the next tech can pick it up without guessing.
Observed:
9 h 30 min
